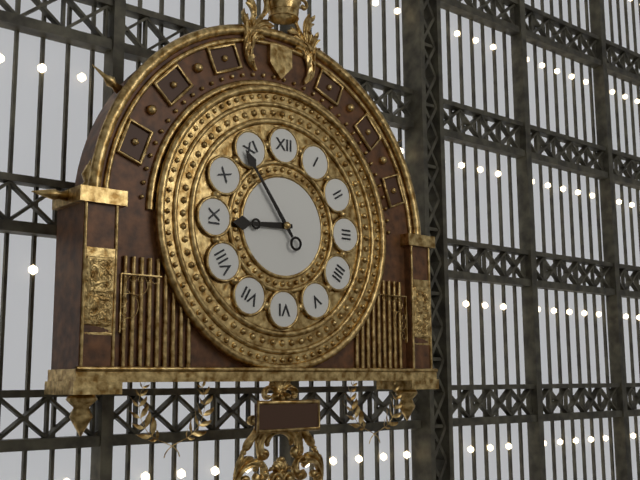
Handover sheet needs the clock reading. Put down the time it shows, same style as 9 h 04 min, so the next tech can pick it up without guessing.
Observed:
8 h 54 min
